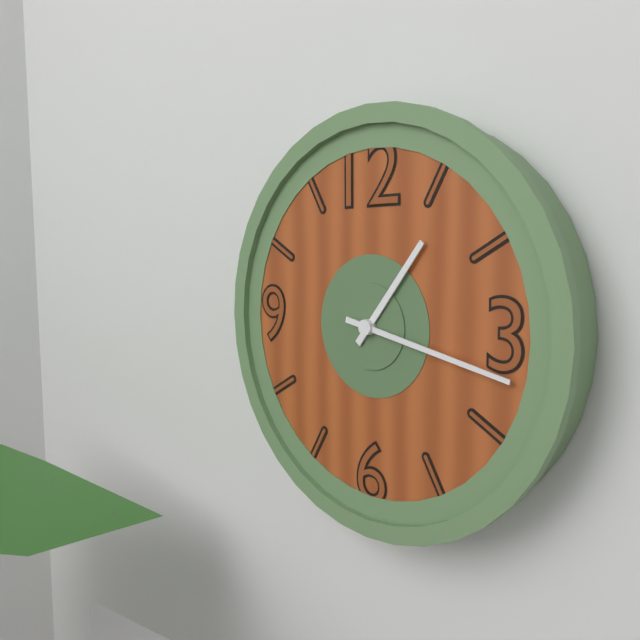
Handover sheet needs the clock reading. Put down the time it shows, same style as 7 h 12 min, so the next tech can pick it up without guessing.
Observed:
1 h 17 min
